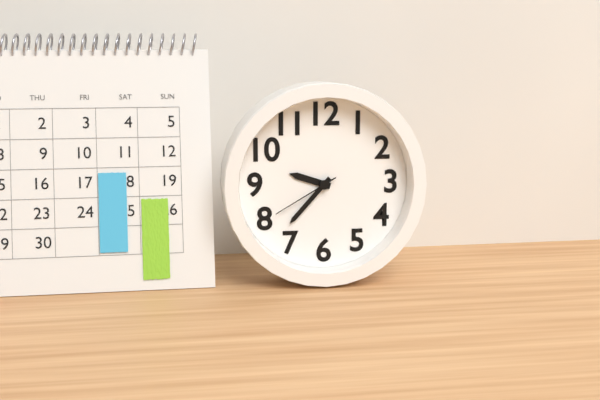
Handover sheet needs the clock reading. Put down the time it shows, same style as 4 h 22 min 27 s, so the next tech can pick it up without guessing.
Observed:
9 h 37 min 40 s
